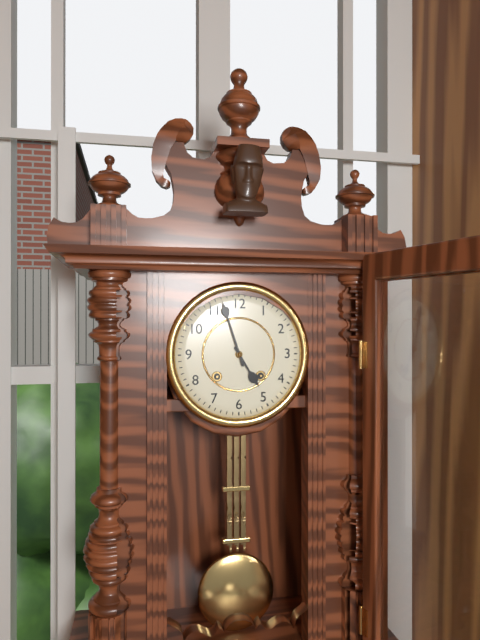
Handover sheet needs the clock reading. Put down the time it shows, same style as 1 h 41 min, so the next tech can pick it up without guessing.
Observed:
4 h 57 min
